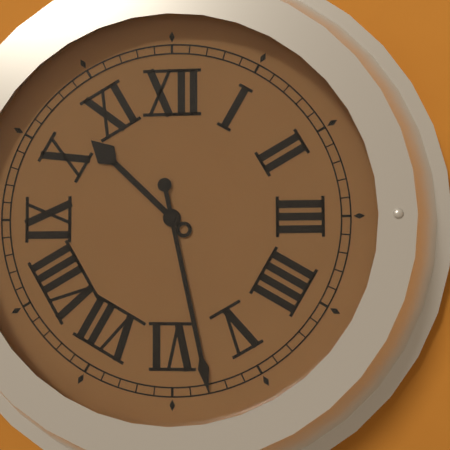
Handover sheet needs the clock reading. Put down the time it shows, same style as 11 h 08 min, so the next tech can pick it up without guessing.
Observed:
10 h 28 min
